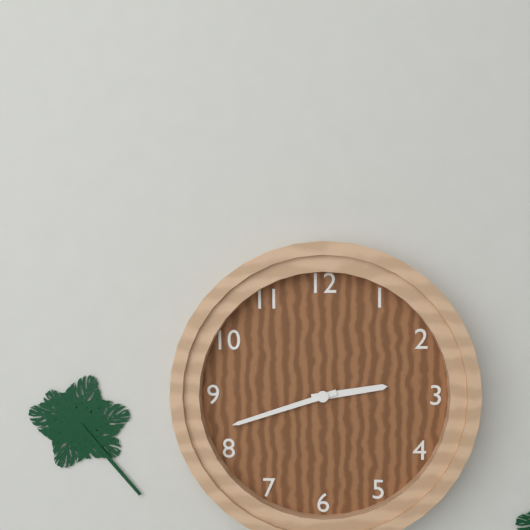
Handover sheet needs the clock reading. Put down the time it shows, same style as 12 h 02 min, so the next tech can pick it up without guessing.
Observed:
2 h 42 min
